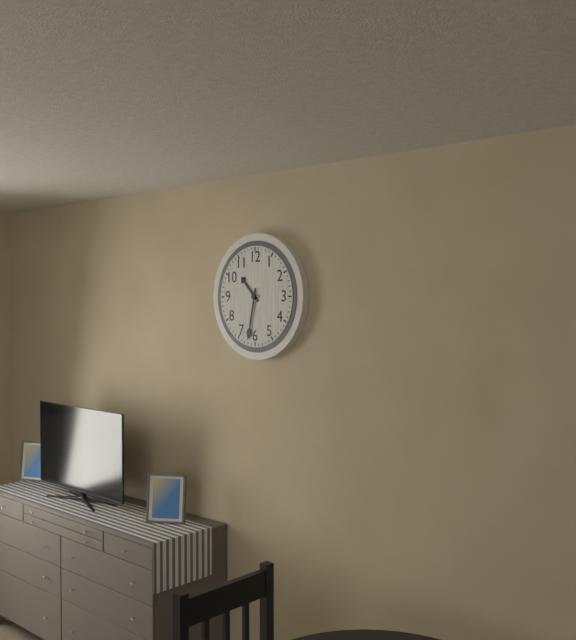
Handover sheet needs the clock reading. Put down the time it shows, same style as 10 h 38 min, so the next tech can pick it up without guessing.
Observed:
10 h 32 min
